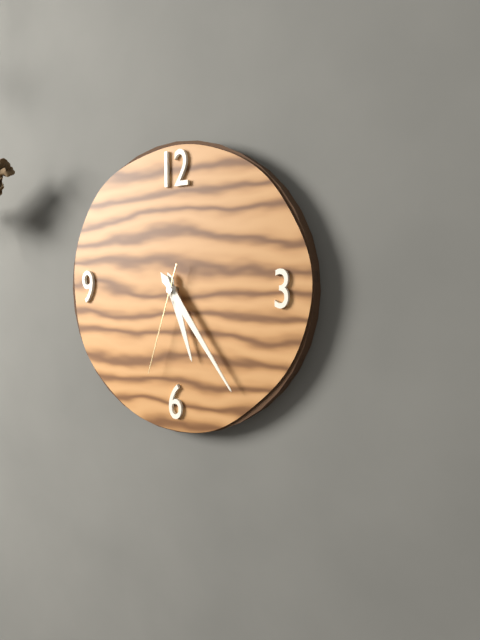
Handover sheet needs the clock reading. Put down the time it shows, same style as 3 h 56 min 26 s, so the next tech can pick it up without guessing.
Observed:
5 h 24 min 33 s
